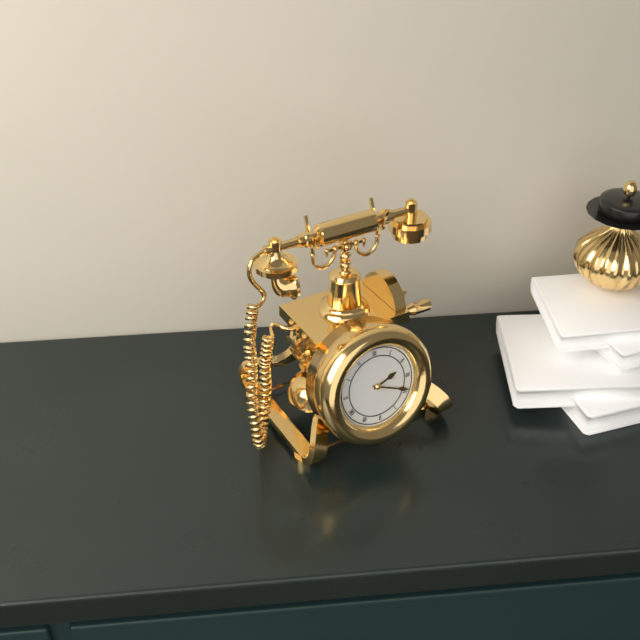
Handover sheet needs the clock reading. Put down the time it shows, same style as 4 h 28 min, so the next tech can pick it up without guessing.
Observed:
2 h 19 min
